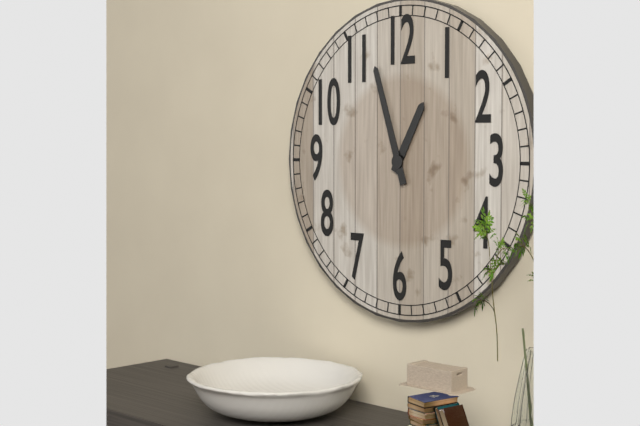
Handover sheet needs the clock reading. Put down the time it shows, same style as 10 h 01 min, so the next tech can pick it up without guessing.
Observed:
12 h 57 min
